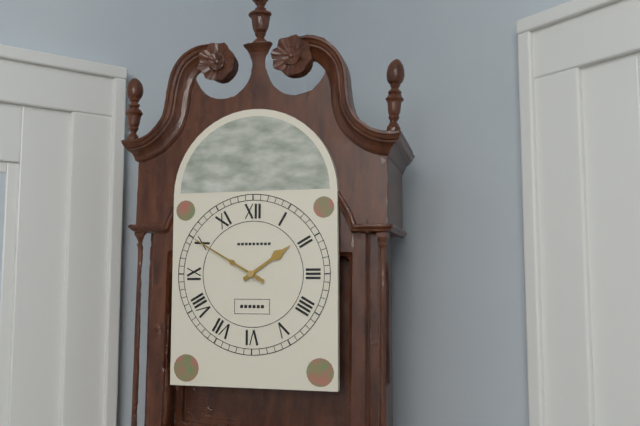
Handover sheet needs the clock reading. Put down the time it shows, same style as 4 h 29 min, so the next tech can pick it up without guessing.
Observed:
1 h 50 min
